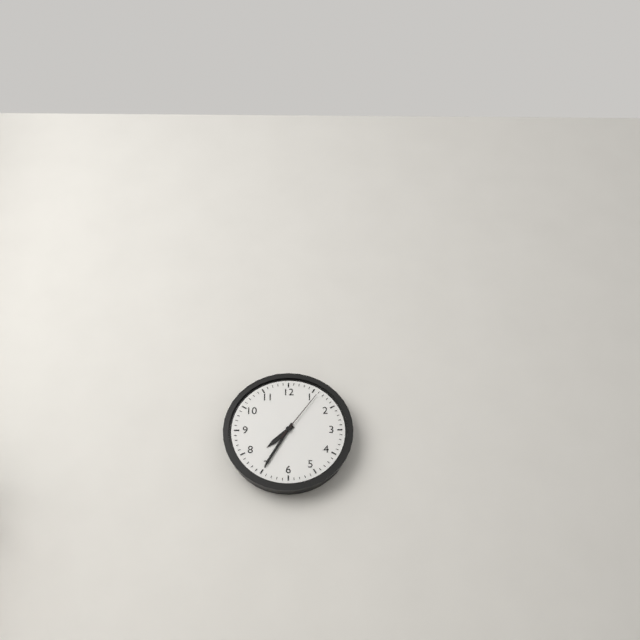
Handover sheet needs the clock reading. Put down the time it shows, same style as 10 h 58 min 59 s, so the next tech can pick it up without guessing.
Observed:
7 h 35 min 06 s
